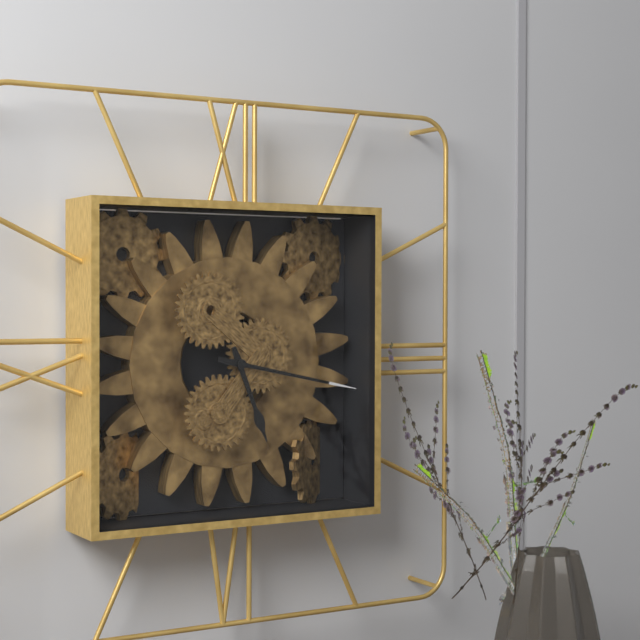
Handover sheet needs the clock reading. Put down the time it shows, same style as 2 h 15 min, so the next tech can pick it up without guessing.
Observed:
5 h 17 min
